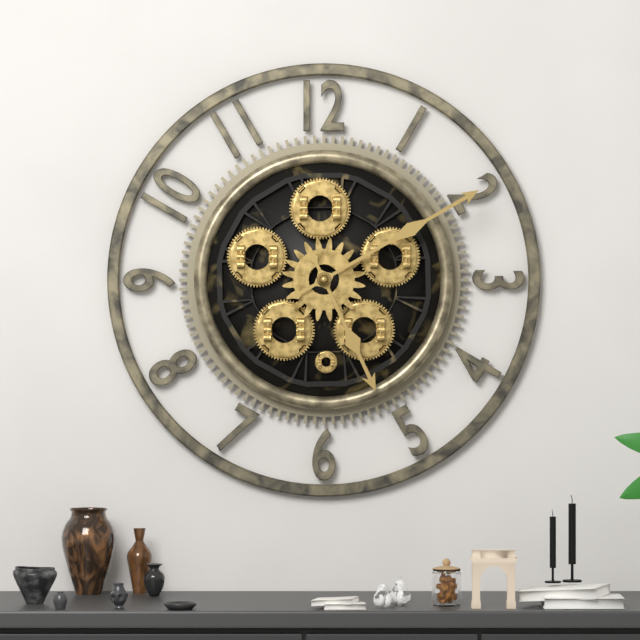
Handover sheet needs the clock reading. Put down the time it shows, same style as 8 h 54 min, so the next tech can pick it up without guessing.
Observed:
5 h 10 min
